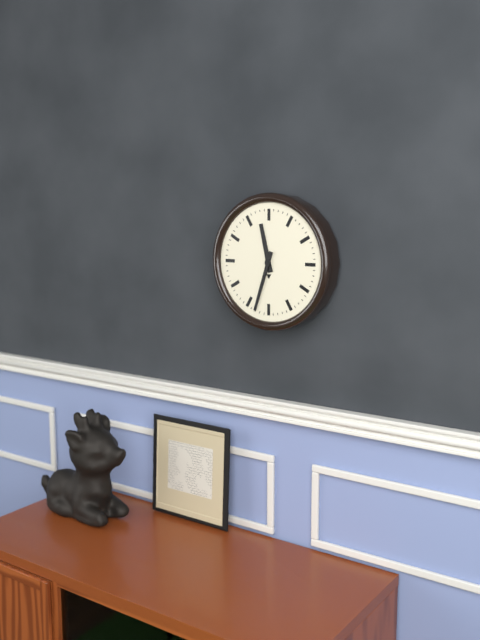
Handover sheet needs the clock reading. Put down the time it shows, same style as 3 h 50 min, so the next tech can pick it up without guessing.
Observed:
11 h 33 min
